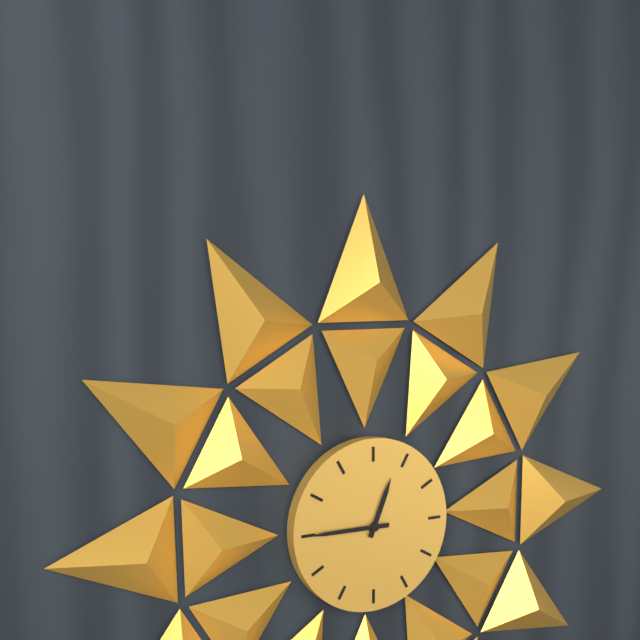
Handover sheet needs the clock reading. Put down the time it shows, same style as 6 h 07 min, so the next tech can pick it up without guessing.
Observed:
12 h 45 min
